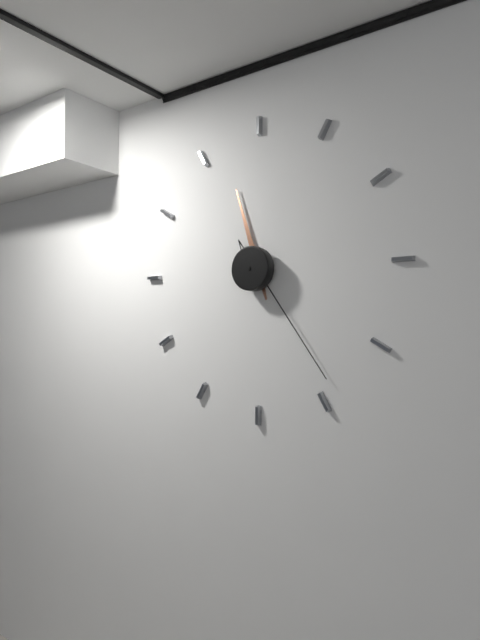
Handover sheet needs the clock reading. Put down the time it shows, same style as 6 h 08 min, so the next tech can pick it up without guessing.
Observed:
11 h 24 min
